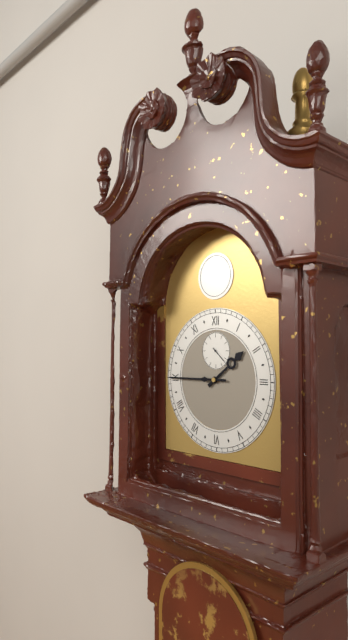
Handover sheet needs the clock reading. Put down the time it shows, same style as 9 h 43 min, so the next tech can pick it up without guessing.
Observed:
1 h 45 min
